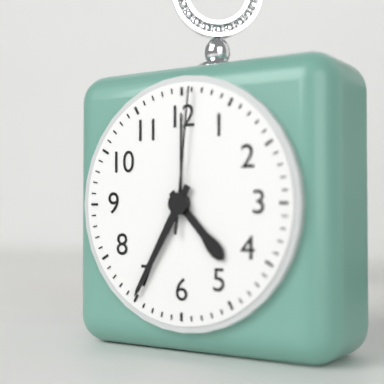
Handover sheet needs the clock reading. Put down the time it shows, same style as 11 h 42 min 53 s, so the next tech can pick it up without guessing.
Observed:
4 h 35 min 01 s
